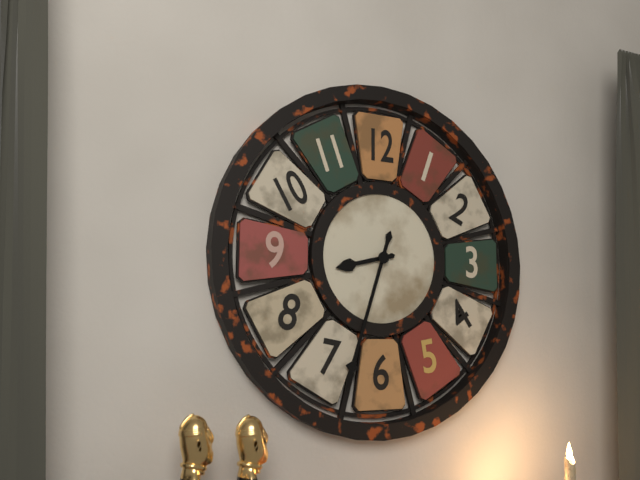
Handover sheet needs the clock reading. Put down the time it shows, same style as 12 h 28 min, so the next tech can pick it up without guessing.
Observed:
8 h 33 min
